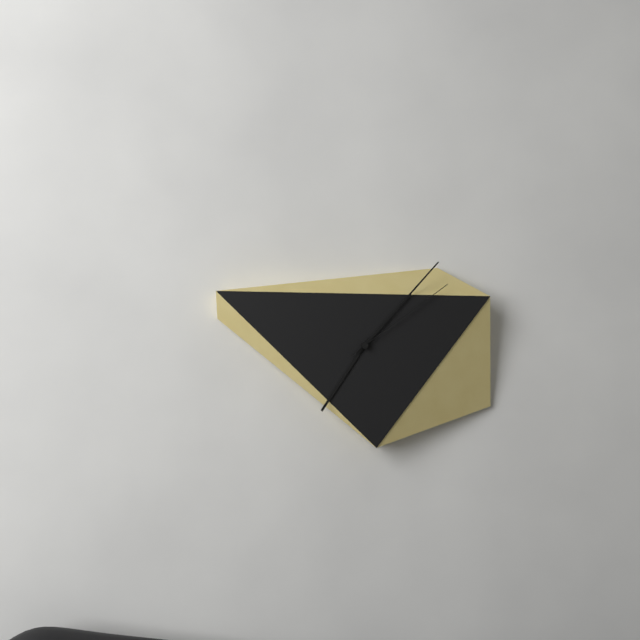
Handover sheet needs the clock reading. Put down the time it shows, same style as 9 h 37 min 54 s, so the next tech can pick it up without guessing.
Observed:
7 h 07 min 09 s
